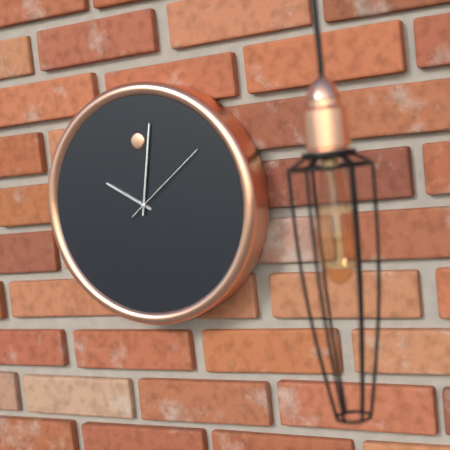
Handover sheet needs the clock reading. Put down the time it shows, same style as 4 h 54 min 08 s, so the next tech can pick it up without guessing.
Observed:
10 h 02 min 09 s
